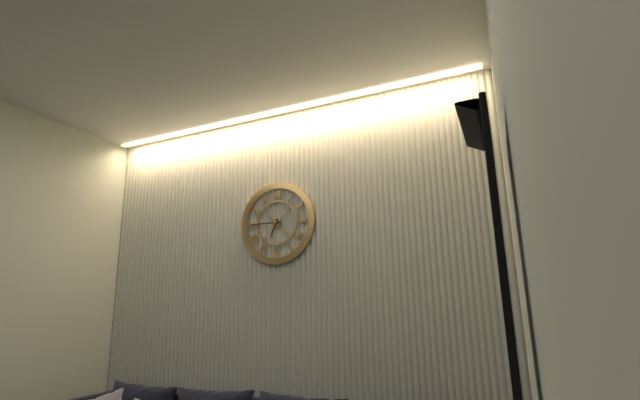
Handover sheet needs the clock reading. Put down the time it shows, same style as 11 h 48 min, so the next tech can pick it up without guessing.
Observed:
6 h 45 min
